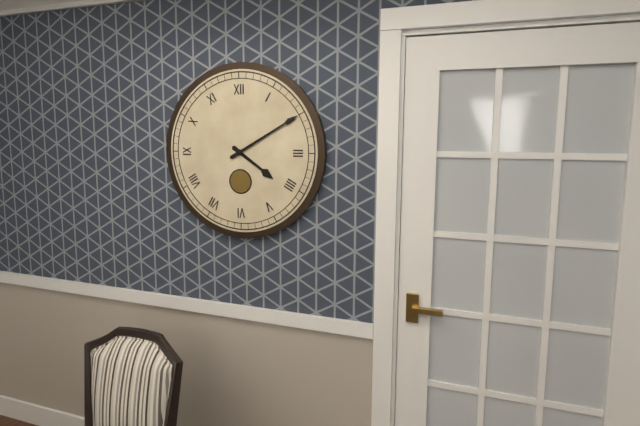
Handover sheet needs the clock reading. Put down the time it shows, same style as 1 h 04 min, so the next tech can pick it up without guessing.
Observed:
4 h 10 min
